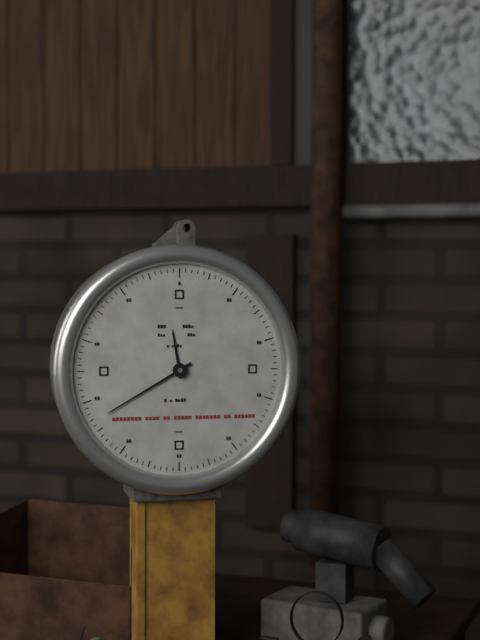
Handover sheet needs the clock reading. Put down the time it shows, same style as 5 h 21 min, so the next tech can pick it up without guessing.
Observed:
11 h 40 min
